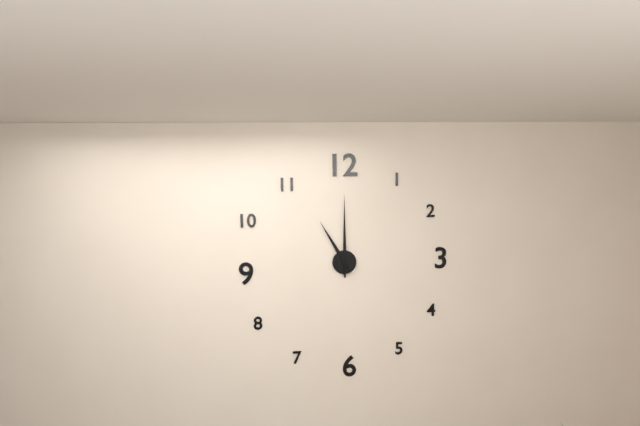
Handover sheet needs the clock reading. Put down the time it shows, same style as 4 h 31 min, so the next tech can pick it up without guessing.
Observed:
11 h 00 min
